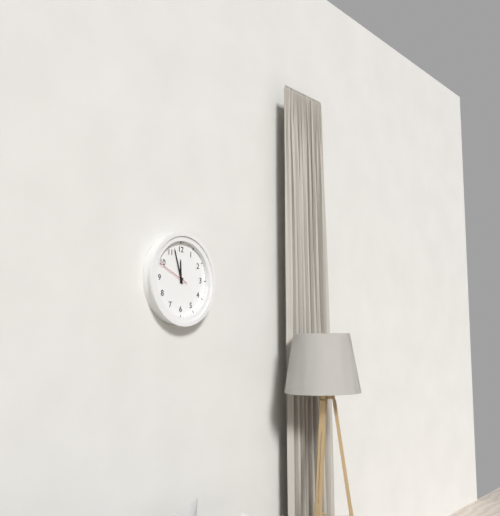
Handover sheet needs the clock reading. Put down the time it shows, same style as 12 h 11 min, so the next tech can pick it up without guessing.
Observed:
11 h 57 min
